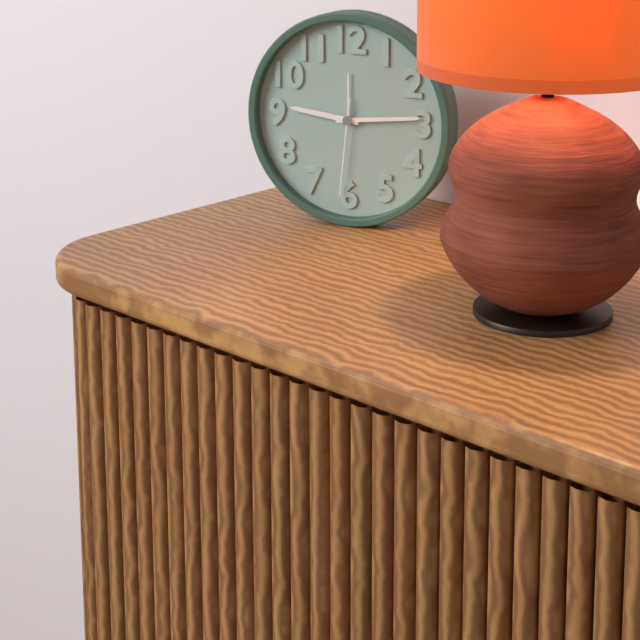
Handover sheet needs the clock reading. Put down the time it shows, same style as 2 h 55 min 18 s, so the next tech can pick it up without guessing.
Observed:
9 h 14 min 31 s
